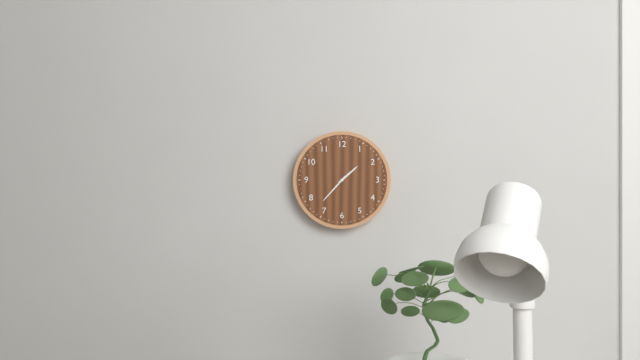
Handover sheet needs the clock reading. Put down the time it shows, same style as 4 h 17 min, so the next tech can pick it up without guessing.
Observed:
1 h 37 min
